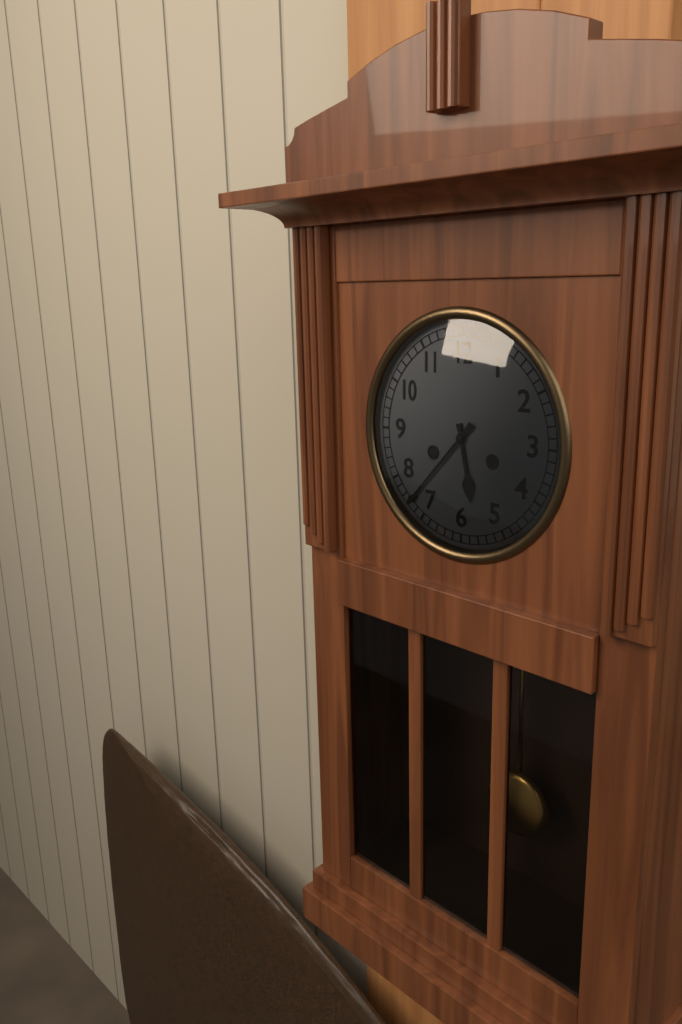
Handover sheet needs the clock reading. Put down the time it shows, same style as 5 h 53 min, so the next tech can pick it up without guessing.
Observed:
5 h 37 min
